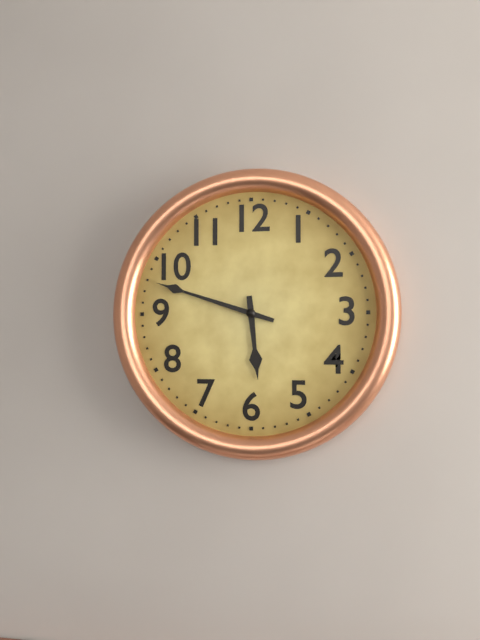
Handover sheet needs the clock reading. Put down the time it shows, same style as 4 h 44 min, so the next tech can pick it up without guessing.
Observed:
5 h 48 min
